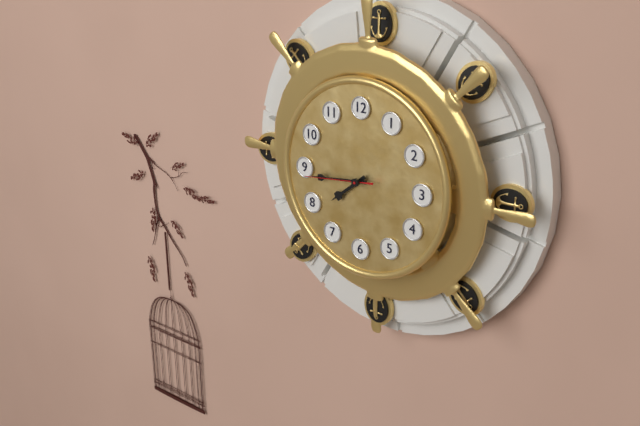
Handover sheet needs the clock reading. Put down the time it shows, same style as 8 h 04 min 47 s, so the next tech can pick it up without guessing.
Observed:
7 h 44 min 44 s
